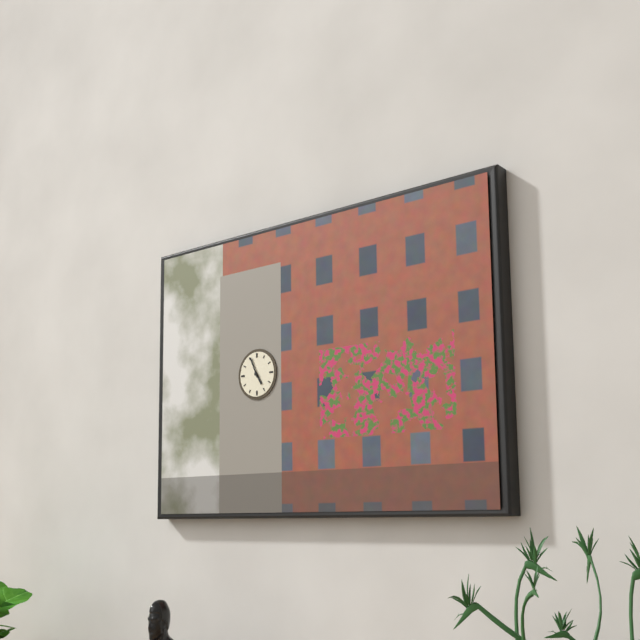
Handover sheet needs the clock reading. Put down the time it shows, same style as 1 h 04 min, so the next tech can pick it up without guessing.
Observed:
4 h 56 min
